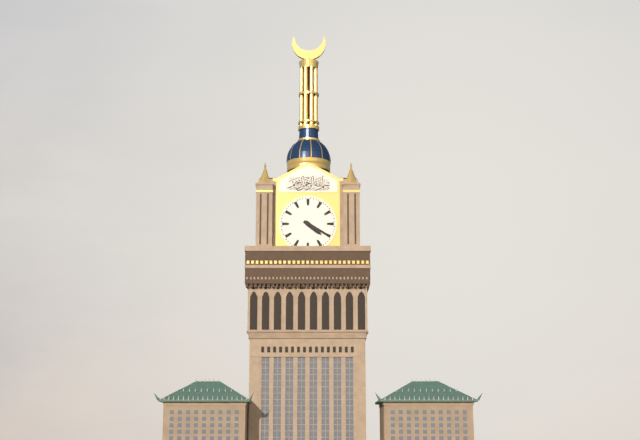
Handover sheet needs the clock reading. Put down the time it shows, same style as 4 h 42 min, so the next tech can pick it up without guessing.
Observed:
4 h 20 min
